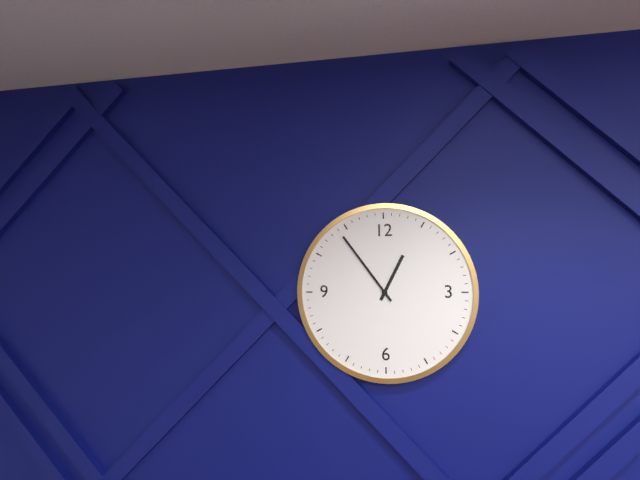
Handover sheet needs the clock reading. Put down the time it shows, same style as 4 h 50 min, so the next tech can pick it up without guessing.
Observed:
12 h 54 min
